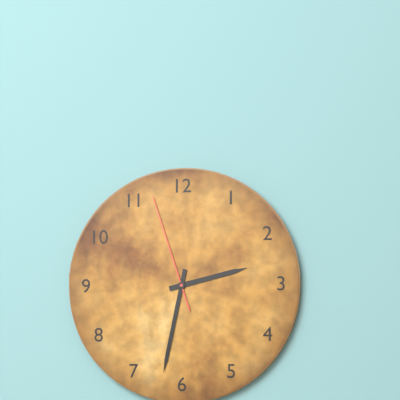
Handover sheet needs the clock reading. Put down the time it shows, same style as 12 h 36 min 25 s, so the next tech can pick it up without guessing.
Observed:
2 h 32 min 57 s
